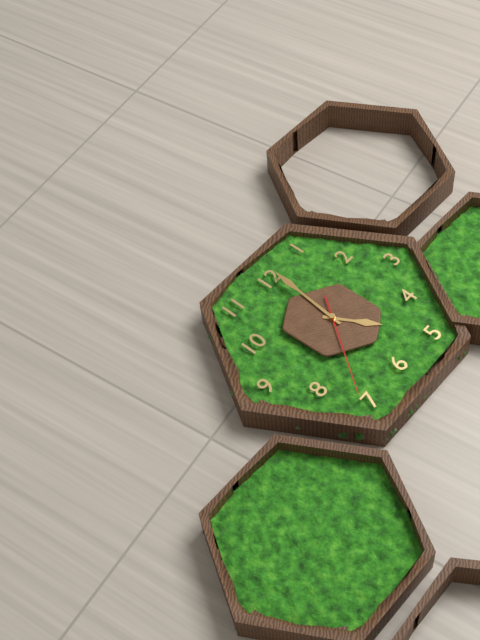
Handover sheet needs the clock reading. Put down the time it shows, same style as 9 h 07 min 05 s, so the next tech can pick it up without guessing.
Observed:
5 h 01 min 36 s
